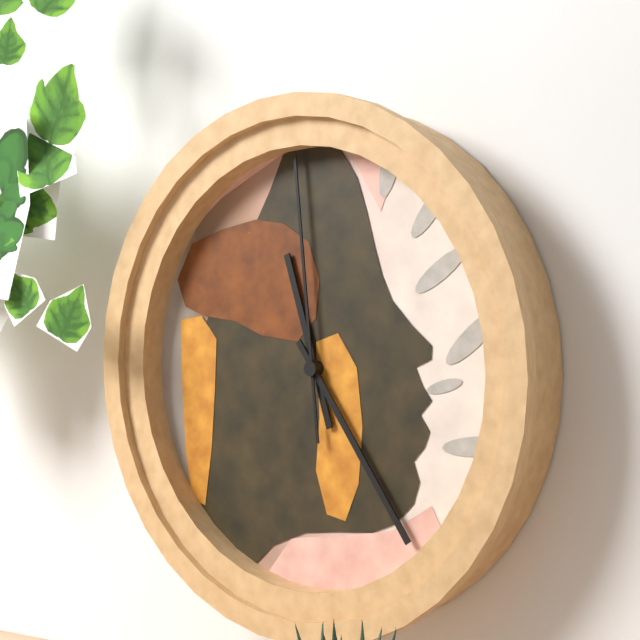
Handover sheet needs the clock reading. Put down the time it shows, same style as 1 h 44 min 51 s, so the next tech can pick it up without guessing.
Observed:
11 h 24 min 59 s
